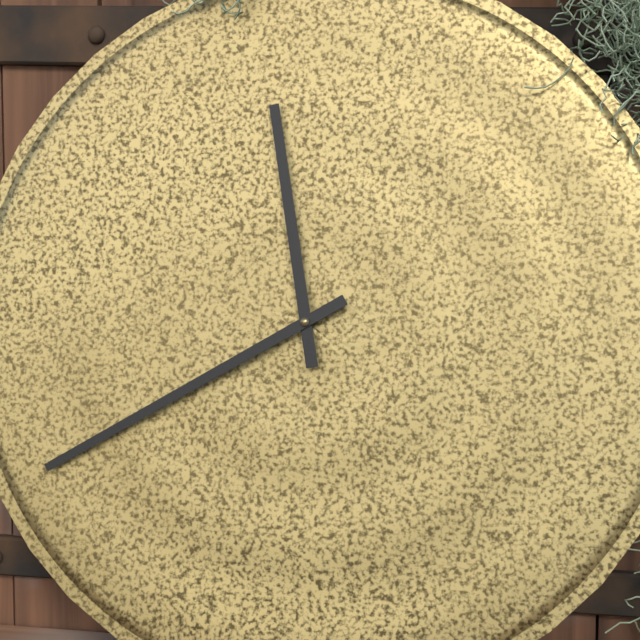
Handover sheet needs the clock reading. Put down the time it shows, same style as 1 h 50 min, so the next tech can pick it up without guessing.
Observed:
11 h 40 min
